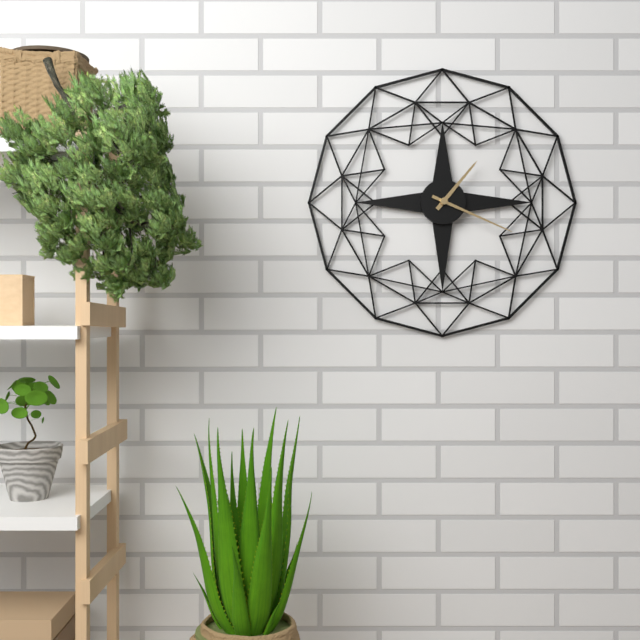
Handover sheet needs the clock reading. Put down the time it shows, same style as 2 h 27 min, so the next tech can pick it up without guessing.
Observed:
1 h 19 min
